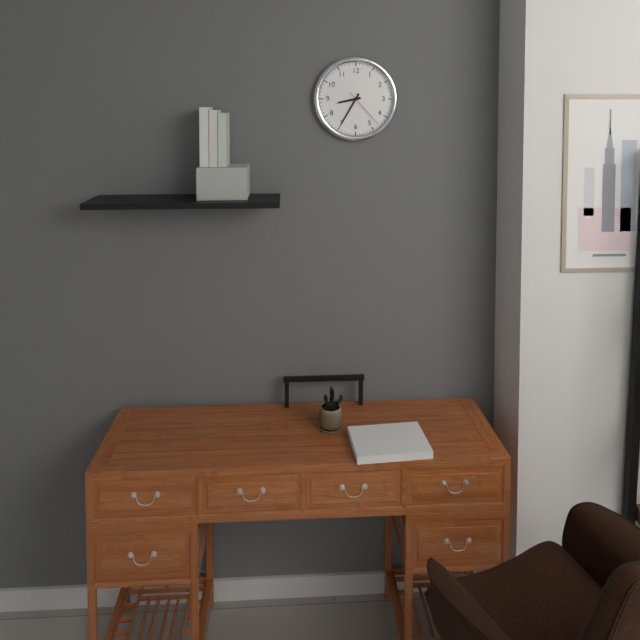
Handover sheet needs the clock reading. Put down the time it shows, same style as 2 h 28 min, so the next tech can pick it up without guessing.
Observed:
8 h 35 min
